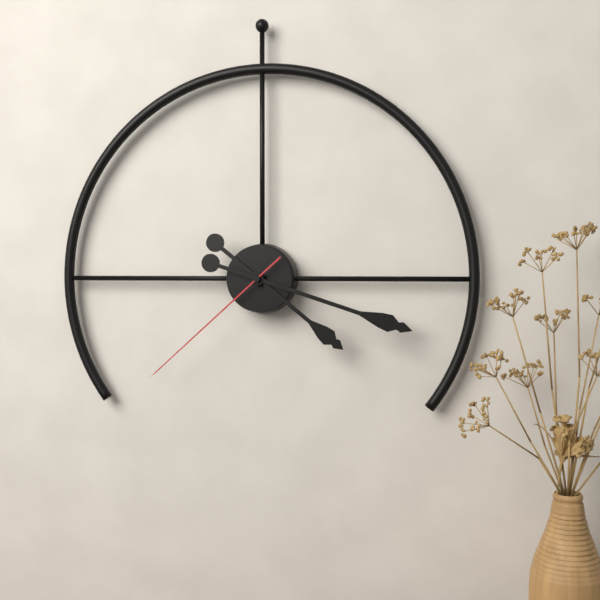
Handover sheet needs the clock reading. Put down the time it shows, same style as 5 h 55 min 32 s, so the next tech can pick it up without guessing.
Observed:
4 h 18 min 38 s
